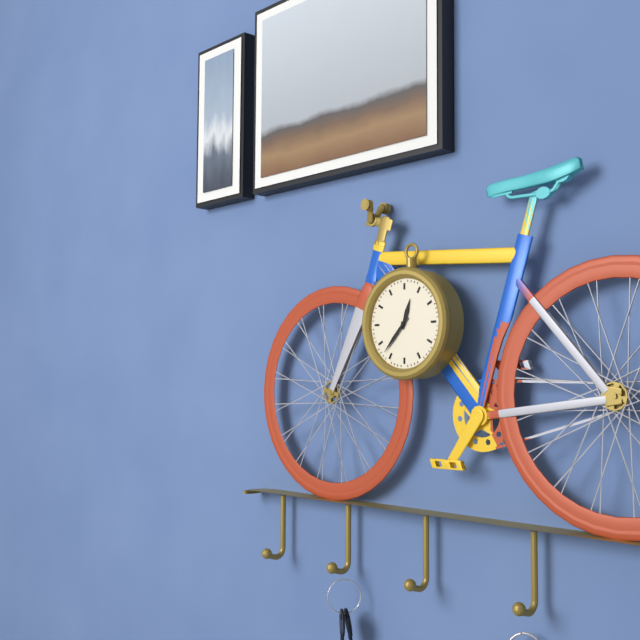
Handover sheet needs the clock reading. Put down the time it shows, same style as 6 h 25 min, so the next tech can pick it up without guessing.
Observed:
12 h 37 min
